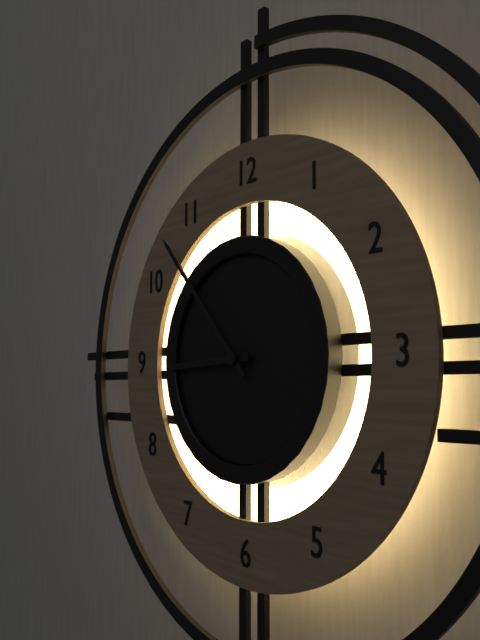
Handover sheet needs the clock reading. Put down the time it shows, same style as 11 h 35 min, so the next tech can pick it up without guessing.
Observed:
8 h 53 min
